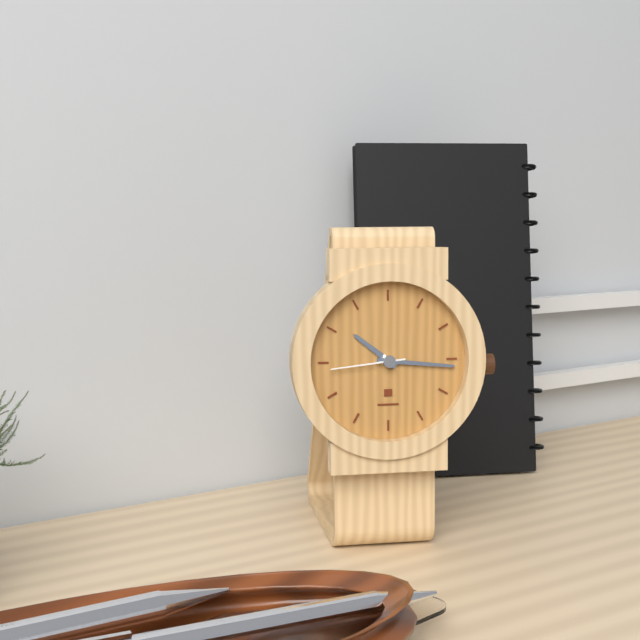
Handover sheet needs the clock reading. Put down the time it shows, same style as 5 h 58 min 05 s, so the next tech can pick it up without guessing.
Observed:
10 h 16 min 44 s
